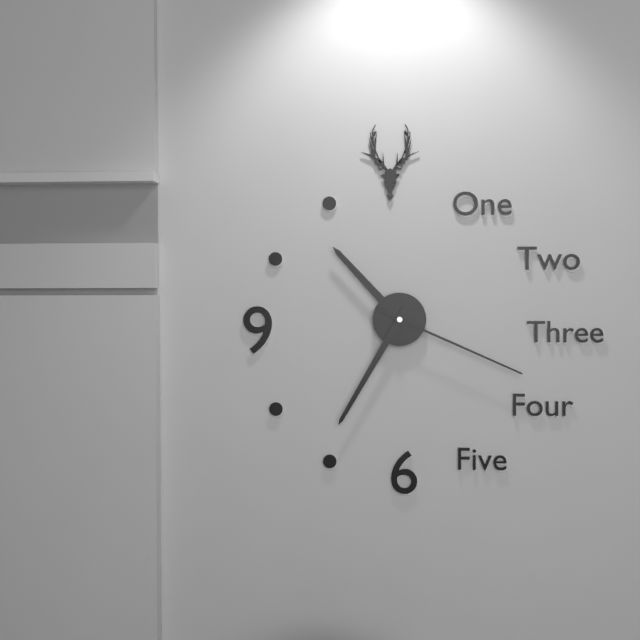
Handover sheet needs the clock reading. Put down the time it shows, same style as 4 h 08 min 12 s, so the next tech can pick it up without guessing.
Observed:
10 h 35 min 19 s
